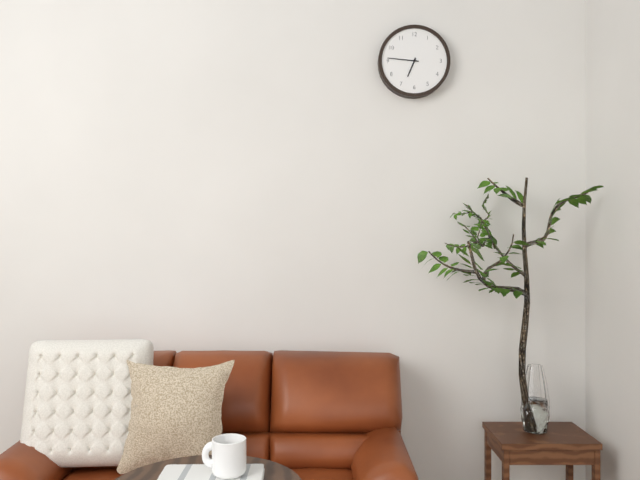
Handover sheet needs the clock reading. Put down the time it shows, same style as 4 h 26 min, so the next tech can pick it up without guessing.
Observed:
6 h 46 min
